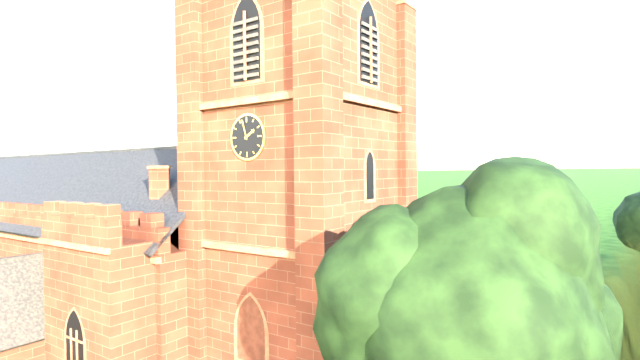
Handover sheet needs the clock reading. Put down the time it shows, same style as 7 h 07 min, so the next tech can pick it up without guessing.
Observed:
1 h 57 min
